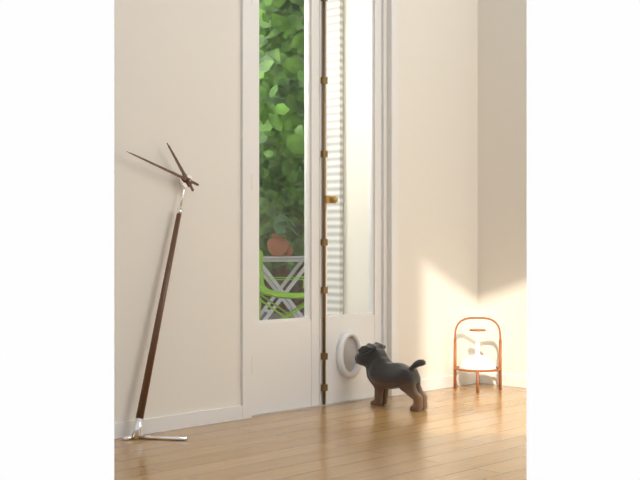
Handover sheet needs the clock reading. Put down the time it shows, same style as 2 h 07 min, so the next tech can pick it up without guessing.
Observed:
10 h 48 min
